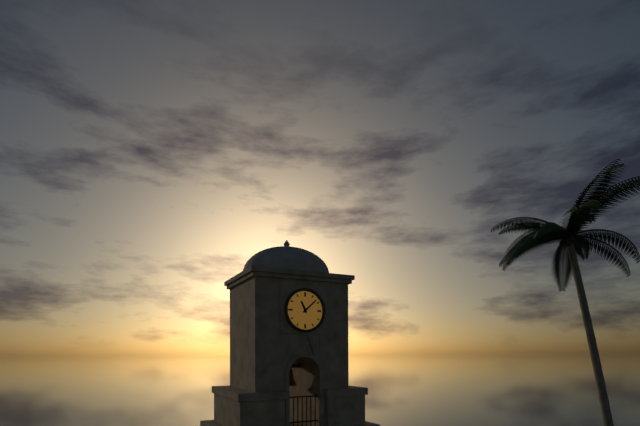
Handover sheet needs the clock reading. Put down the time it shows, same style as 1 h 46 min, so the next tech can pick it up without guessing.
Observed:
11 h 08 min
